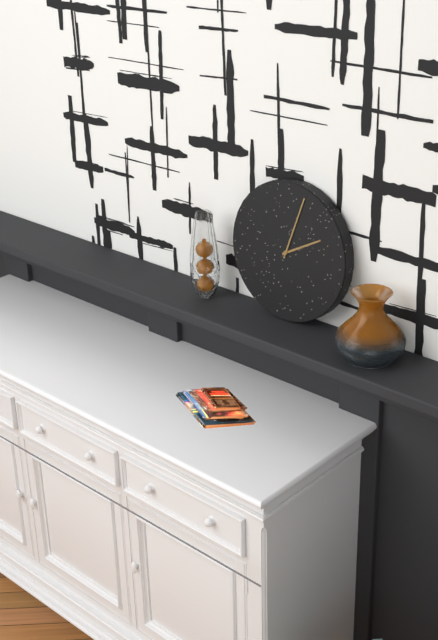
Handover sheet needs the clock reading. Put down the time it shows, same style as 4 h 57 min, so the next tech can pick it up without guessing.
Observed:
2 h 03 min
